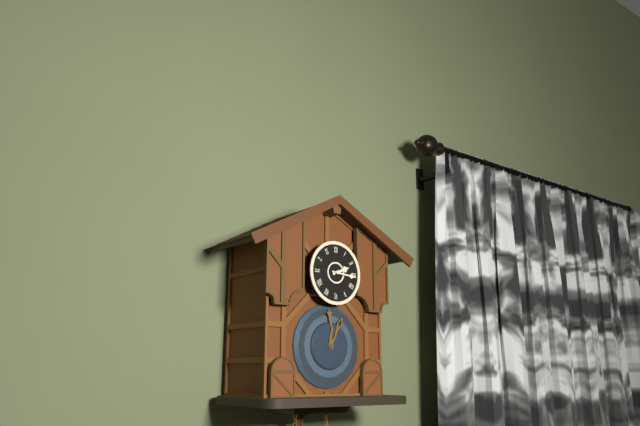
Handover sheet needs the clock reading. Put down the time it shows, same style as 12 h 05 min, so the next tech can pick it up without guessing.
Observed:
2 h 16 min
